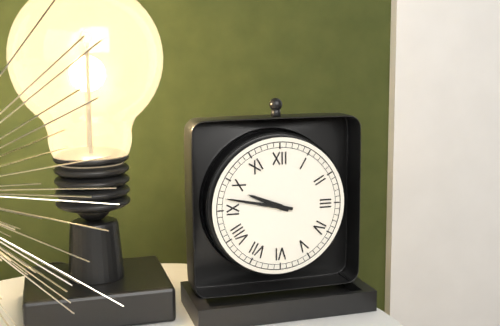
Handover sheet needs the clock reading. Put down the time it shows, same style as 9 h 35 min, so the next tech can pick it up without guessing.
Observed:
9 h 47 min
